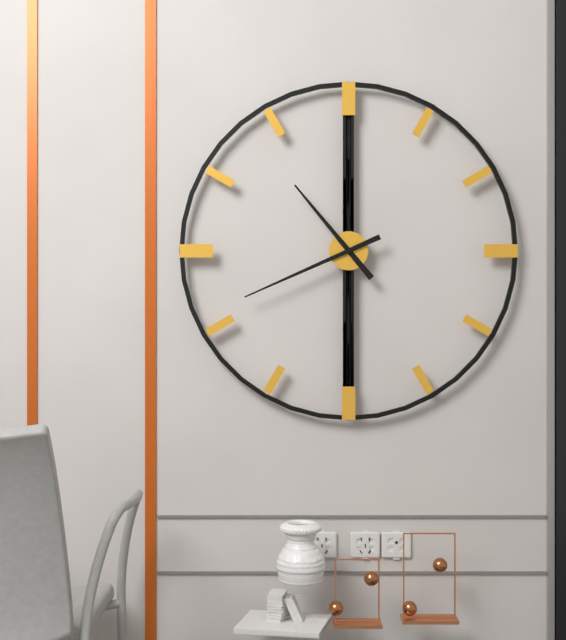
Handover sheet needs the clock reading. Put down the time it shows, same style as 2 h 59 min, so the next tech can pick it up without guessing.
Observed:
10 h 41 min
